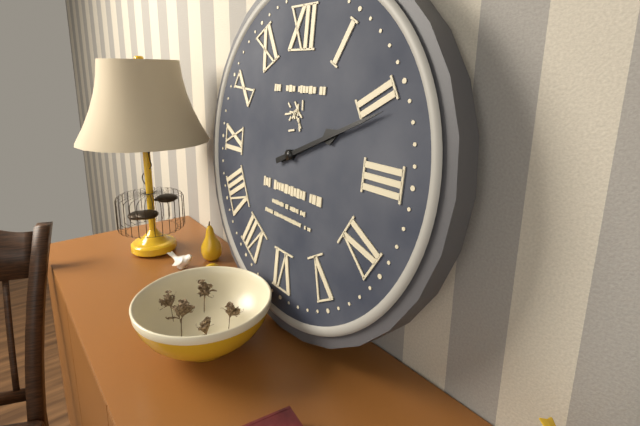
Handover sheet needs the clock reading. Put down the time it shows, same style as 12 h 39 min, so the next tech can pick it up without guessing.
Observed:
2 h 11 min
